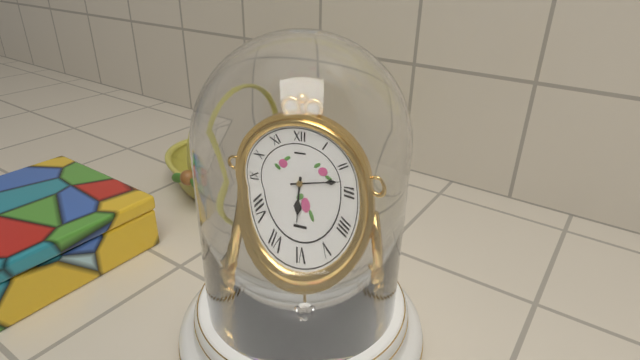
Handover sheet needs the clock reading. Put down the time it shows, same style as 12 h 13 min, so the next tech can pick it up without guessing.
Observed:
6 h 13 min
